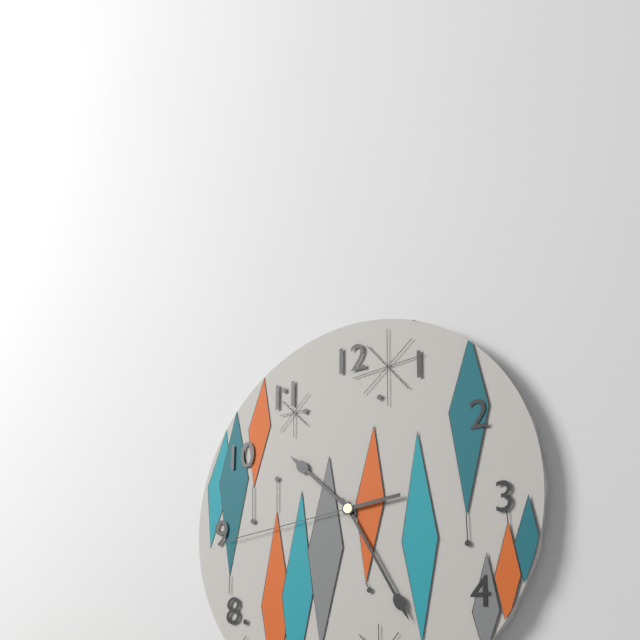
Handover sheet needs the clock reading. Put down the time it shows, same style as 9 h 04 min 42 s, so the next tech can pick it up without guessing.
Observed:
10 h 25 min 44 s
